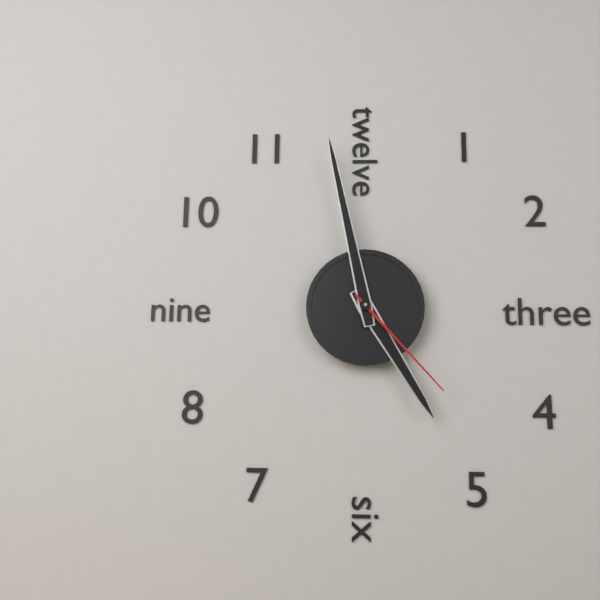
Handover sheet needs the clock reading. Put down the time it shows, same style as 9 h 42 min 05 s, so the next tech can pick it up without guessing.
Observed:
4 h 58 min 23 s
